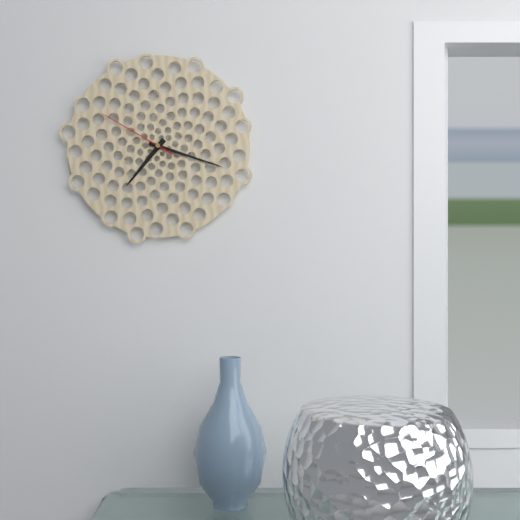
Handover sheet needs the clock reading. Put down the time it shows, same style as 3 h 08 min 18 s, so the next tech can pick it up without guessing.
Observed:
7 h 18 min 50 s
